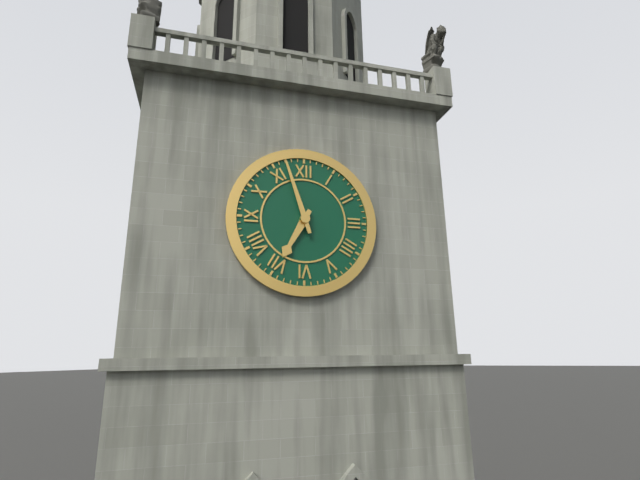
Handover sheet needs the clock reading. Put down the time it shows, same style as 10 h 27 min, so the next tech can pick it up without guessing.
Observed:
6 h 57 min
